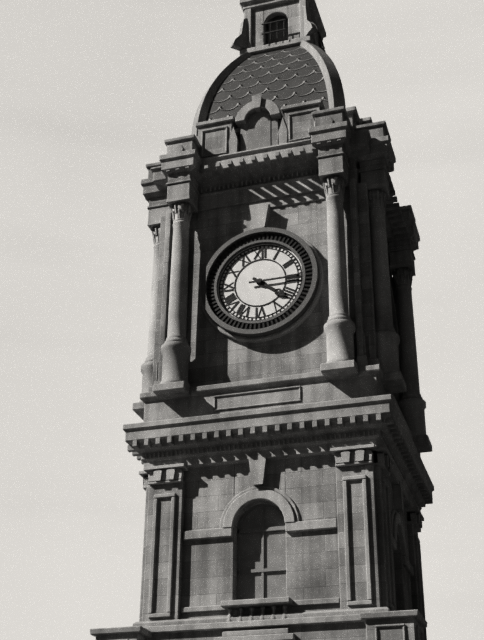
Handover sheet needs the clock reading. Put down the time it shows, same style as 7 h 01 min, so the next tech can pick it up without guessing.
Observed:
4 h 15 min
